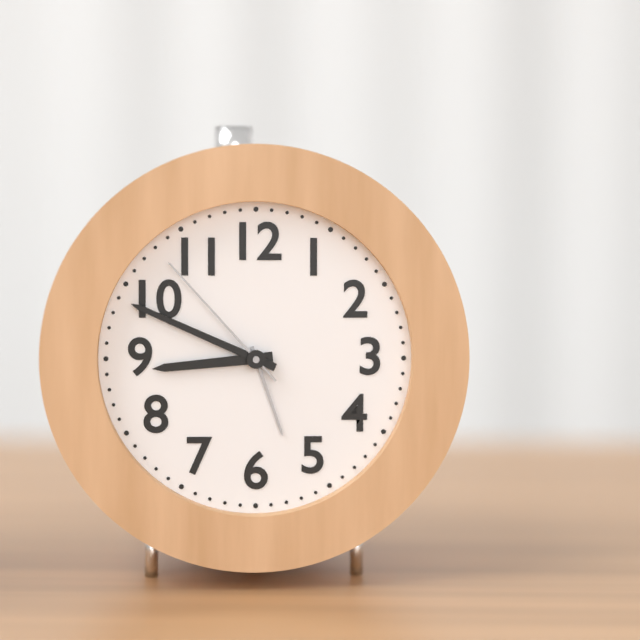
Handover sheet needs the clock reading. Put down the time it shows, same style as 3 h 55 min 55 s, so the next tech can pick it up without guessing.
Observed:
8 h 49 min 53 s
